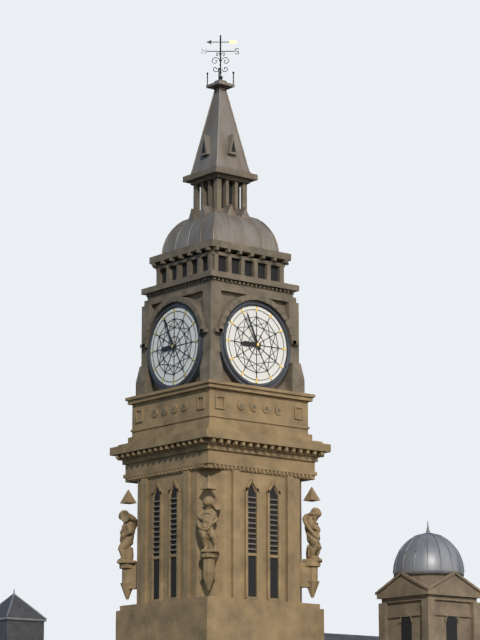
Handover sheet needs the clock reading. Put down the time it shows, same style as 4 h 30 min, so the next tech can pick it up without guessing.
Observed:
8 h 56 min
